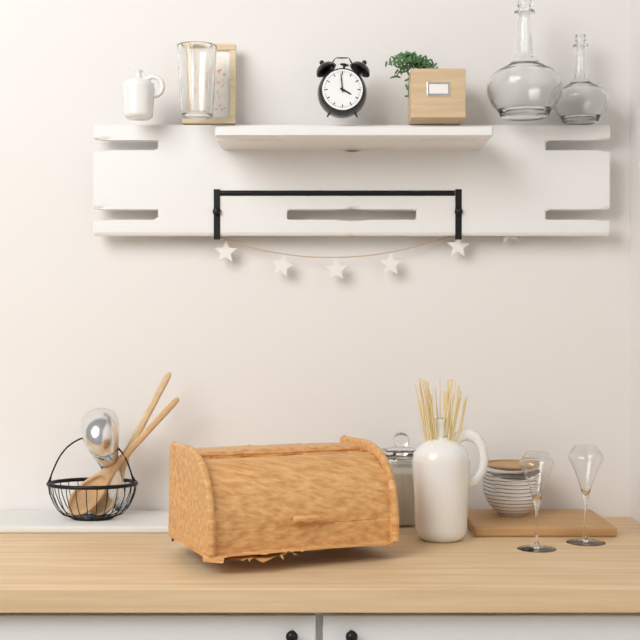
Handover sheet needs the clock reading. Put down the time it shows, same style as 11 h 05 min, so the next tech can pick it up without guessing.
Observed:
3 h 59 min
